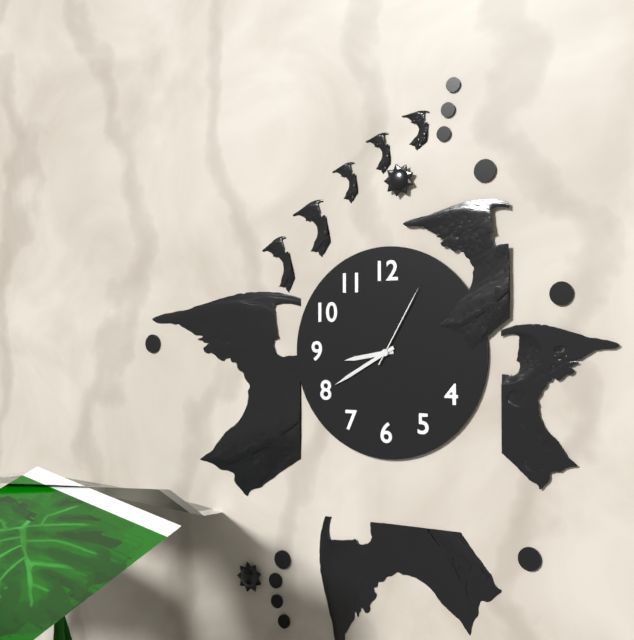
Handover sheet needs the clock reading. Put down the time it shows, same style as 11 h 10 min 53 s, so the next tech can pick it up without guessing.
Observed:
8 h 40 min 05 s
